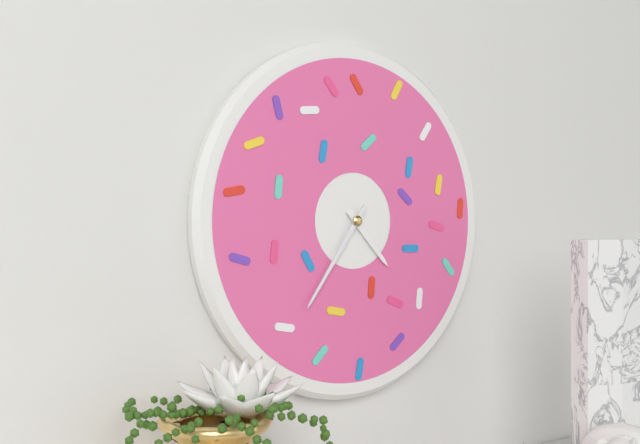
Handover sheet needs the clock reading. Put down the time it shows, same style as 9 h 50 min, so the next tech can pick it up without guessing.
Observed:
4 h 36 min
